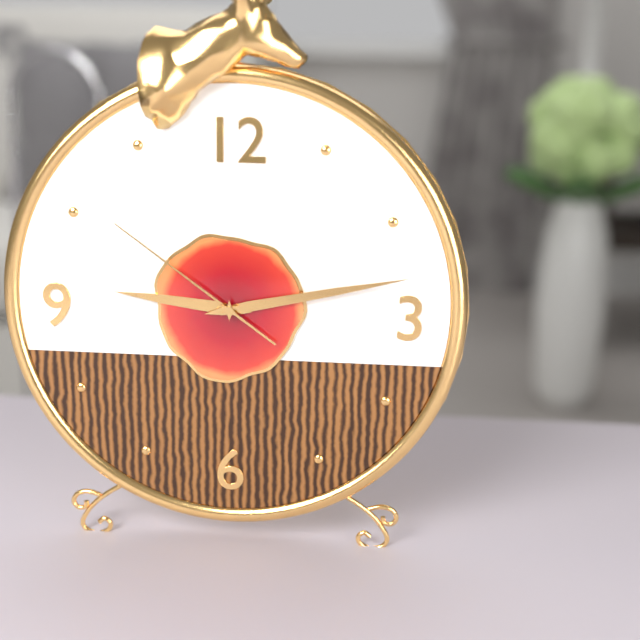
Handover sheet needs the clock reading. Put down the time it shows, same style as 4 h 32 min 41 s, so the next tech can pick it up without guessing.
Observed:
9 h 13 min 51 s
